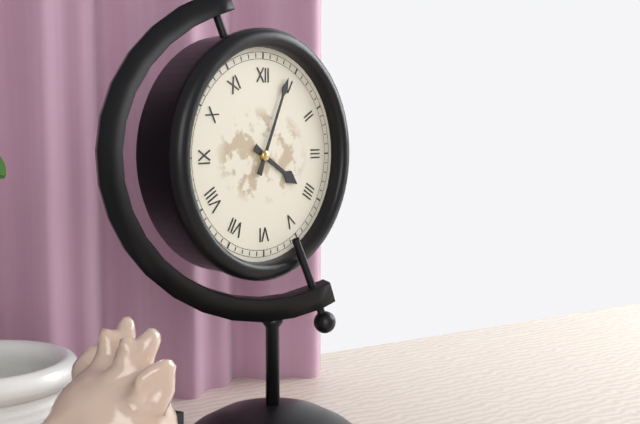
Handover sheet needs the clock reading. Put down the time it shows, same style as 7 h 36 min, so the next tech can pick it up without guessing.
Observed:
4 h 04 min
